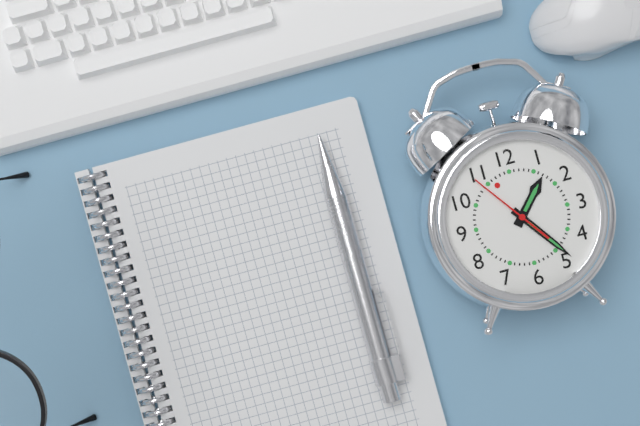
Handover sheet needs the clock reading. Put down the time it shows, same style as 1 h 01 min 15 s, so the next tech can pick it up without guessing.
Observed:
1 h 24 min 54 s
